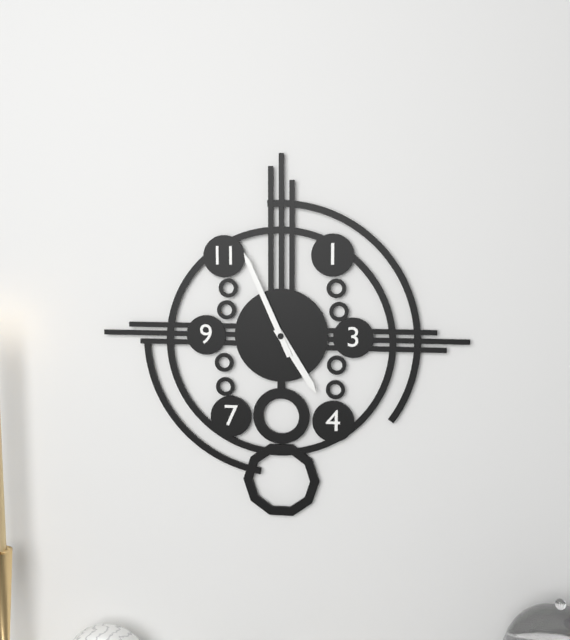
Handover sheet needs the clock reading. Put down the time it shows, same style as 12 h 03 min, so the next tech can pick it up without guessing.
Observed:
4 h 56 min
